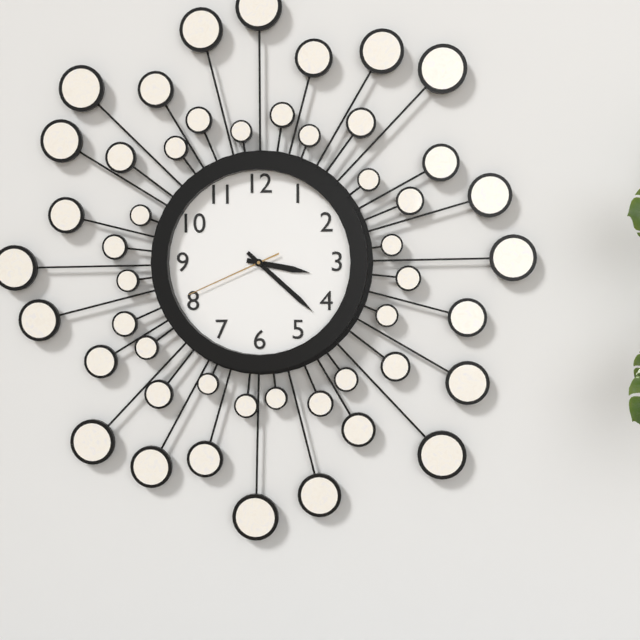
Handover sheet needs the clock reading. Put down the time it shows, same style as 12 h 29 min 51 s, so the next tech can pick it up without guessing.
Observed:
3 h 22 min 41 s
